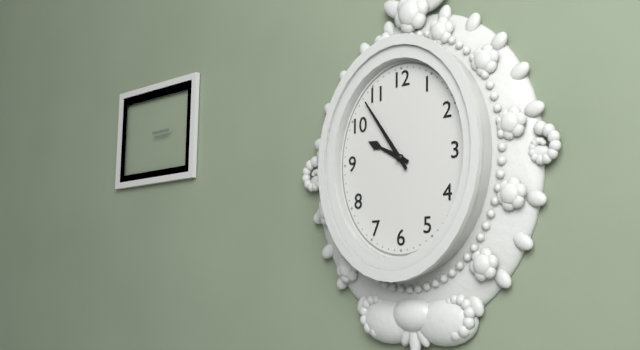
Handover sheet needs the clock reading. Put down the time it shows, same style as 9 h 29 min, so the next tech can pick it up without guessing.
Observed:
9 h 54 min
